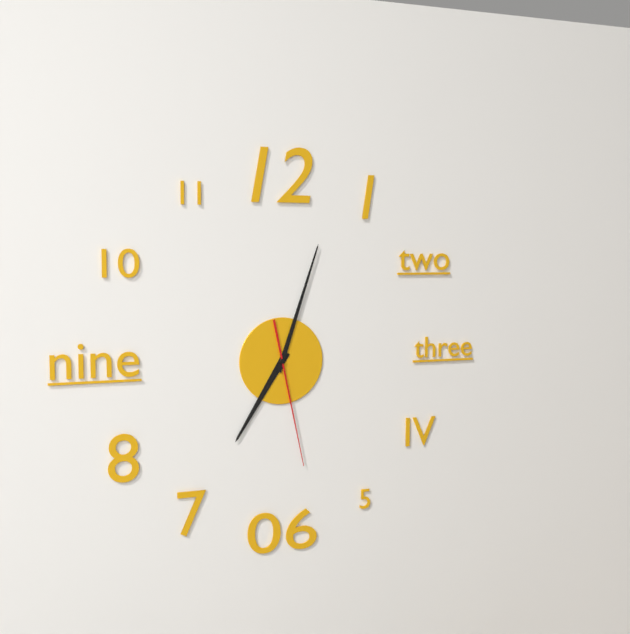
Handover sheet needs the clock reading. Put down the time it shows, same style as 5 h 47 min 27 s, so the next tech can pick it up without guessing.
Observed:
7 h 03 min 28 s
